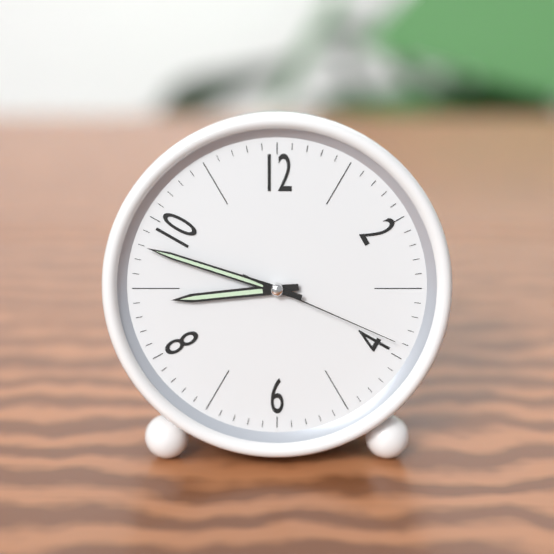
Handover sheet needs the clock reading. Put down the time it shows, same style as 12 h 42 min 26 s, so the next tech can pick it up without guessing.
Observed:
8 h 48 min 19 s
